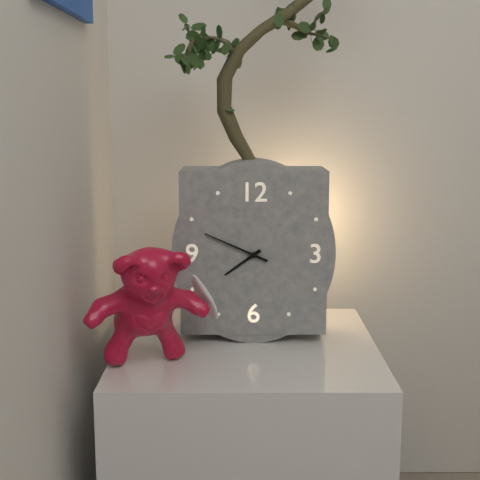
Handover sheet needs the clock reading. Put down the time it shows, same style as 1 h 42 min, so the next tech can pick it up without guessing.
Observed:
7 h 49 min
